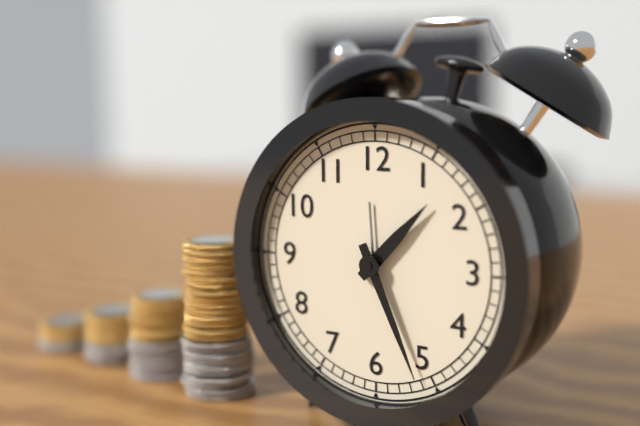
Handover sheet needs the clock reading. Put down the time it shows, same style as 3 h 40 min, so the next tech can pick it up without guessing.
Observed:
1 h 26 min
